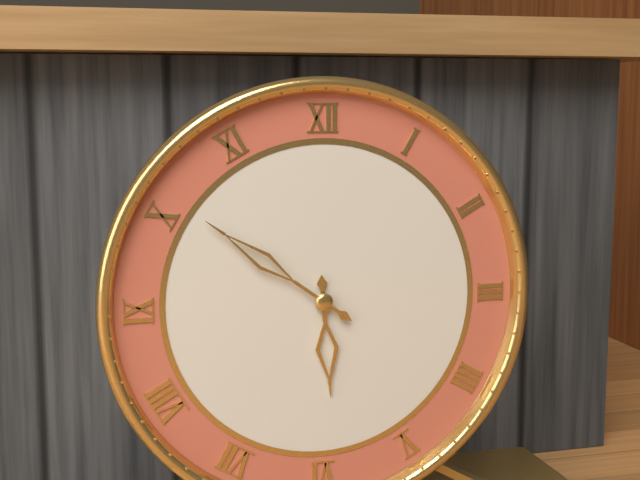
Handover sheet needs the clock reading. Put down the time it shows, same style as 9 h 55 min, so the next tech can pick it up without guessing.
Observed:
5 h 51 min
